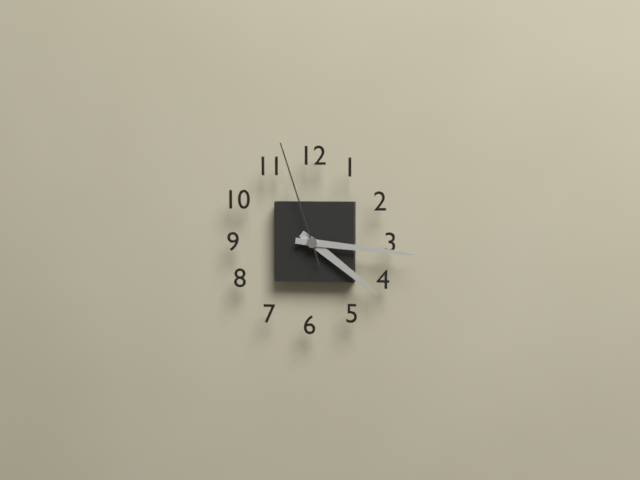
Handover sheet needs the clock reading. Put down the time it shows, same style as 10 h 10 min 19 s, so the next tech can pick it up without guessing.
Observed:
4 h 16 min 57 s
